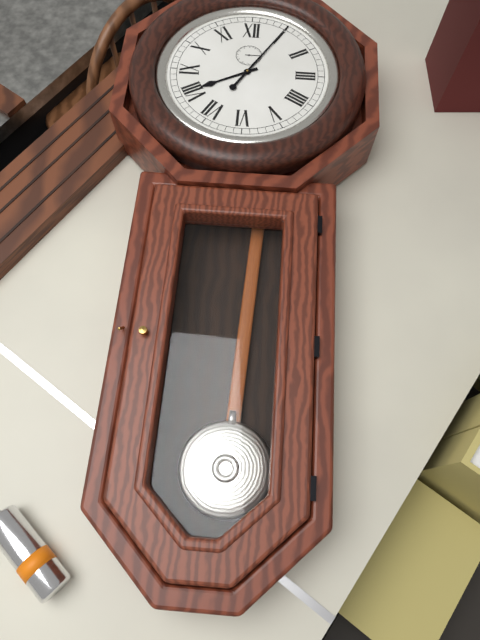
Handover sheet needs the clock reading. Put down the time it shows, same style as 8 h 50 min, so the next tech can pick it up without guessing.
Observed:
8 h 05 min
